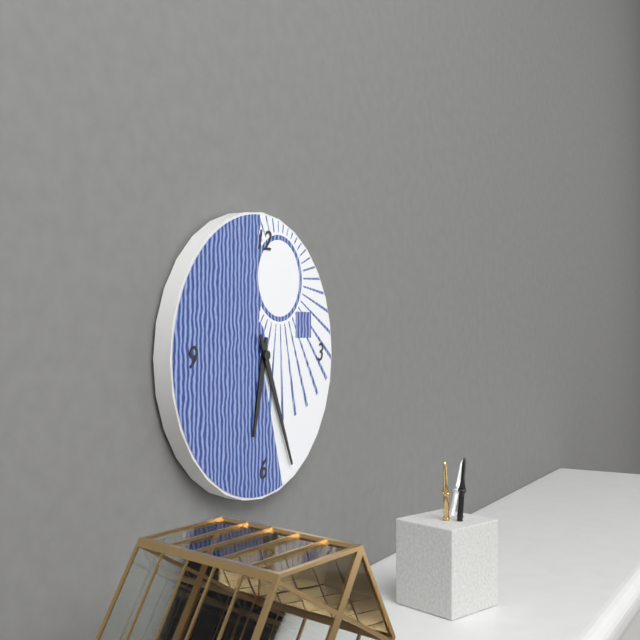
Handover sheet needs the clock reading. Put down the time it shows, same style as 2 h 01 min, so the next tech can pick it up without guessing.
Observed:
6 h 26 min
